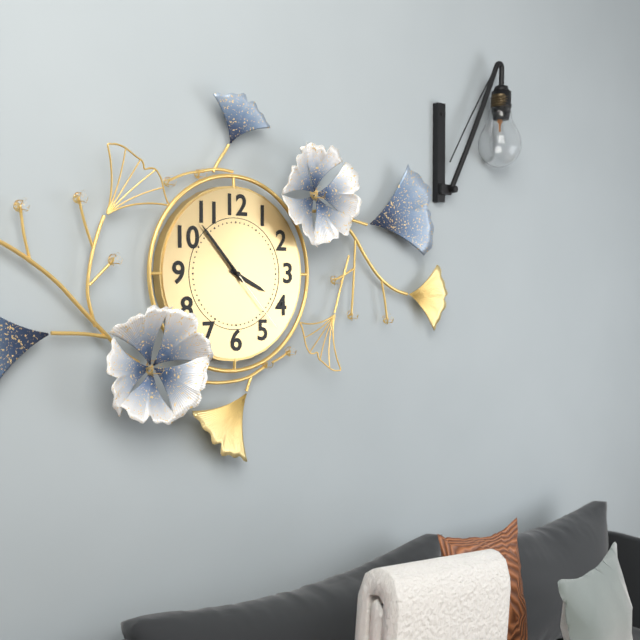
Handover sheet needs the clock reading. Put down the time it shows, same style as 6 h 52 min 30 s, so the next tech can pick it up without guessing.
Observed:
3 h 53 min 23 s
